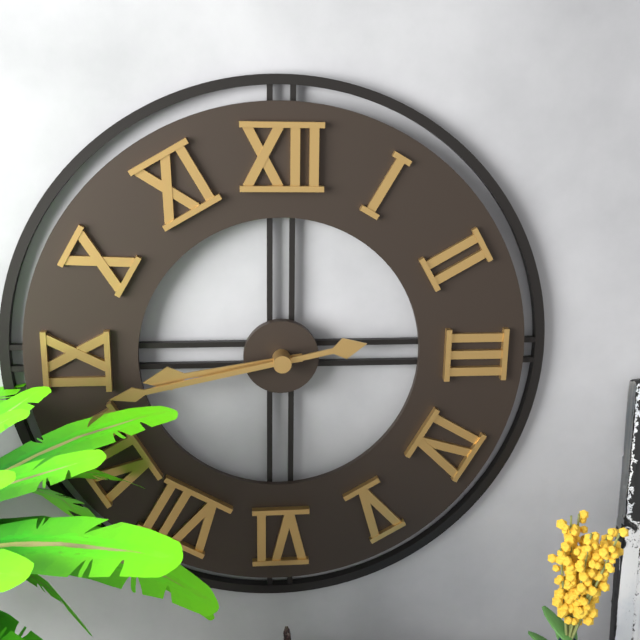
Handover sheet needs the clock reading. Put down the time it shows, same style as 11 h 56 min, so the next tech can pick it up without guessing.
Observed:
8 h 43 min
